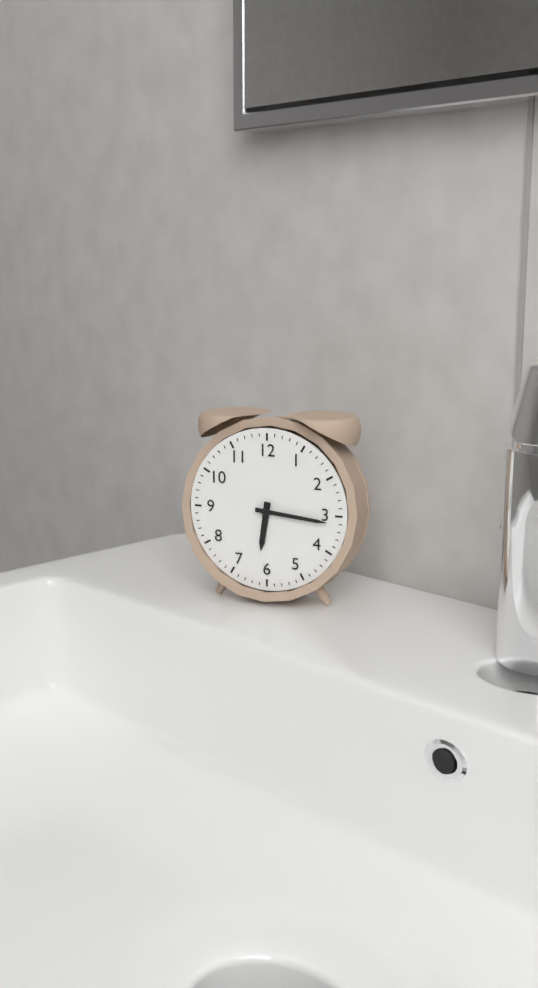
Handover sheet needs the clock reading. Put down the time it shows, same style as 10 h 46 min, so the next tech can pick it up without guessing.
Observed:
6 h 16 min
